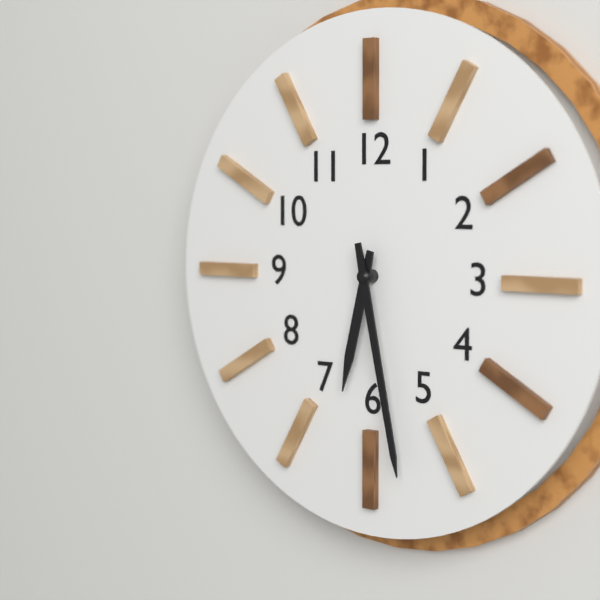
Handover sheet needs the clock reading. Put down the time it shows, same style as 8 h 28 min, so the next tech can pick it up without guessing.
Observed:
6 h 28 min
